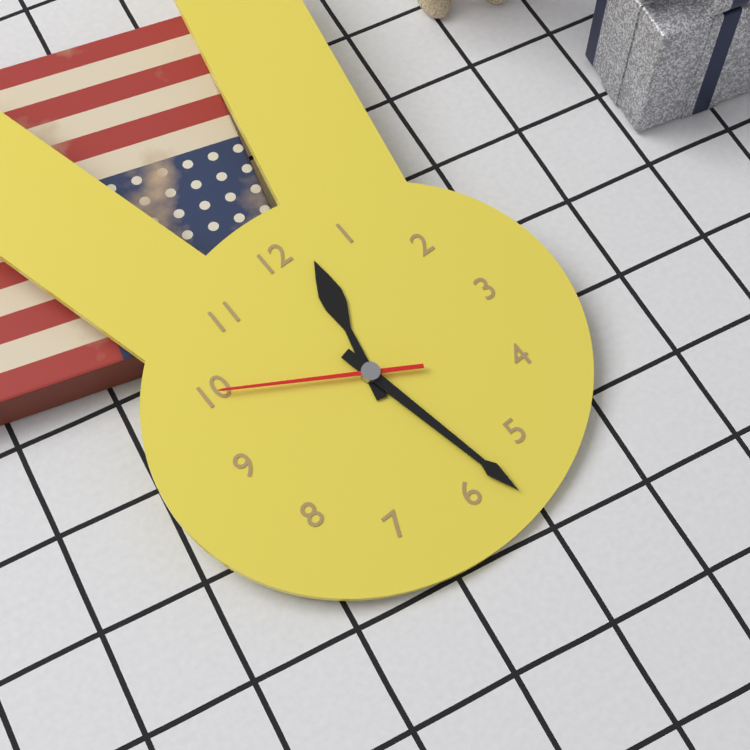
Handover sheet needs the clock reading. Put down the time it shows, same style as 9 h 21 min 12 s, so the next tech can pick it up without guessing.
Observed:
12 h 28 min 50 s
